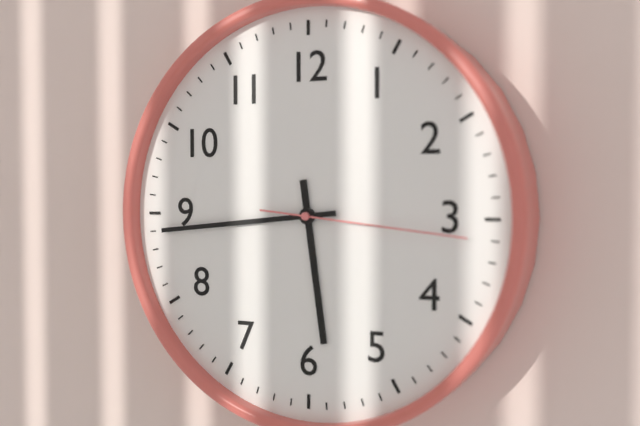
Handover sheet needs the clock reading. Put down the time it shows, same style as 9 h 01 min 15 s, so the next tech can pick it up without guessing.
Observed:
5 h 44 min 16 s
